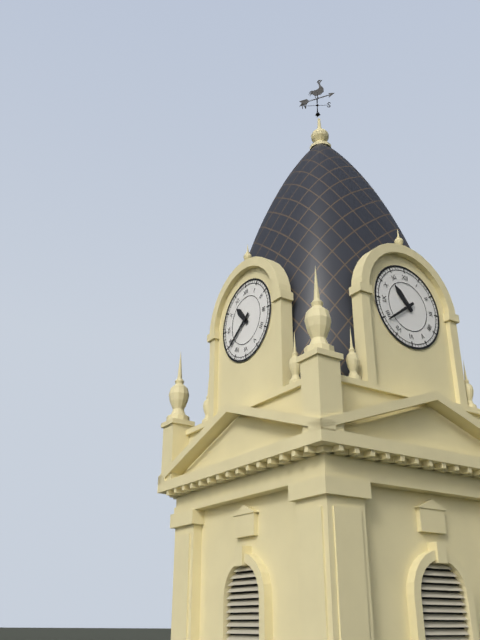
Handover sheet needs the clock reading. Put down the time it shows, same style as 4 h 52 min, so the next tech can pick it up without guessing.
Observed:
10 h 39 min
